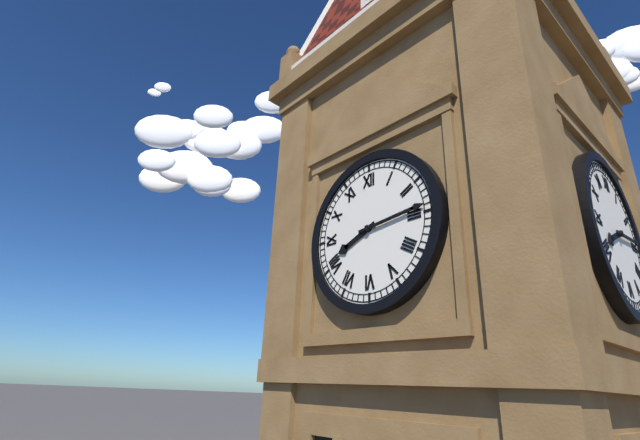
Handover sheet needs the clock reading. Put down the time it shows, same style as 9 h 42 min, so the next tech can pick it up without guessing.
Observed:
8 h 14 min
